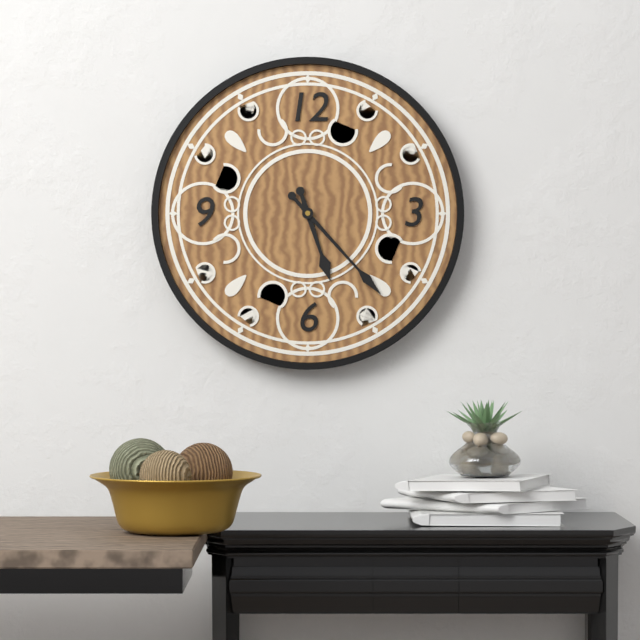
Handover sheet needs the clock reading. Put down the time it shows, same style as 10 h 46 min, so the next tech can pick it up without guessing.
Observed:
5 h 23 min
